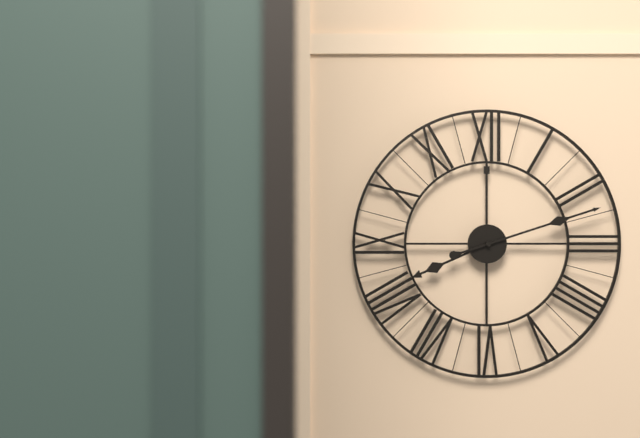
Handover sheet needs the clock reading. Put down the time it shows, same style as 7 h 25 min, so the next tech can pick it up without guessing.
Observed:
8 h 12 min
